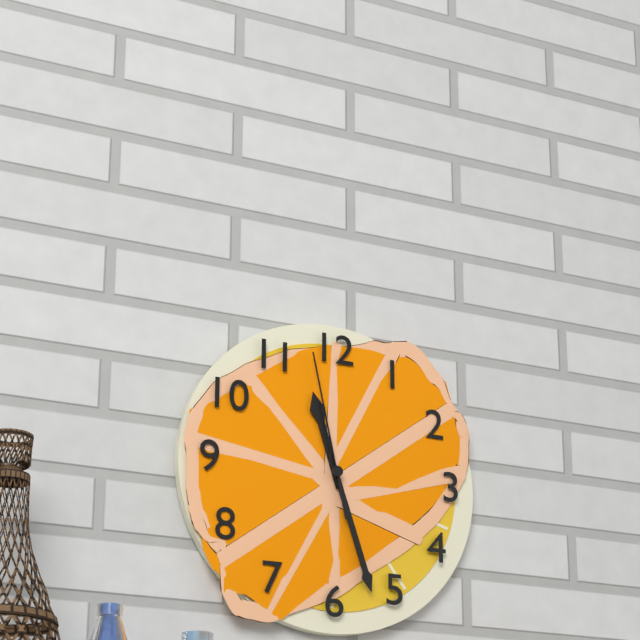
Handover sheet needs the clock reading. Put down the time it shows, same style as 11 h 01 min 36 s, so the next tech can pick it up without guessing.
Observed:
11 h 27 min 58 s
